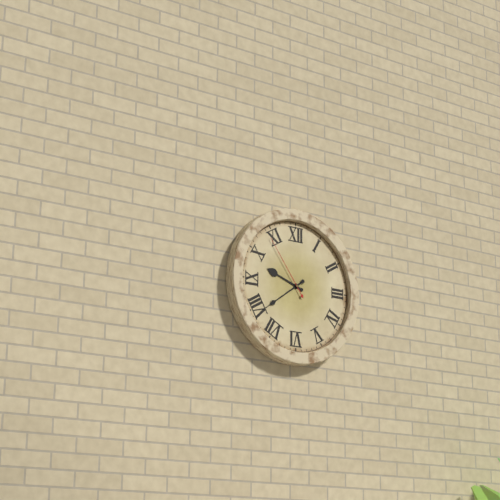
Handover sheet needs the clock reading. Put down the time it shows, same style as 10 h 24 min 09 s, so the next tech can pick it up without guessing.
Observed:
9 h 39 min 54 s
